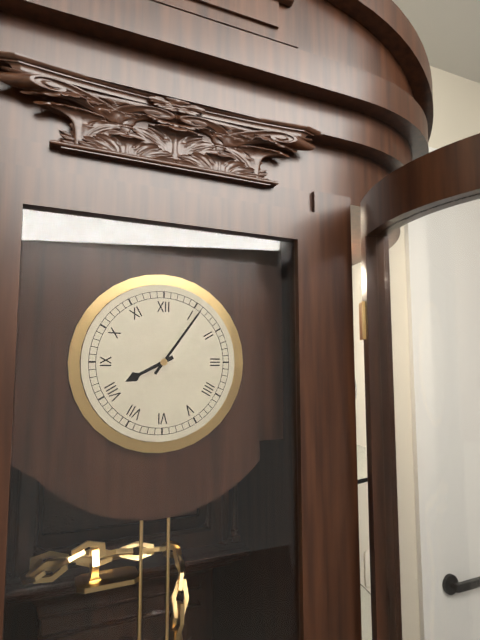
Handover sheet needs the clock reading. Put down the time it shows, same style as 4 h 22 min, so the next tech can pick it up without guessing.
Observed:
8 h 06 min
